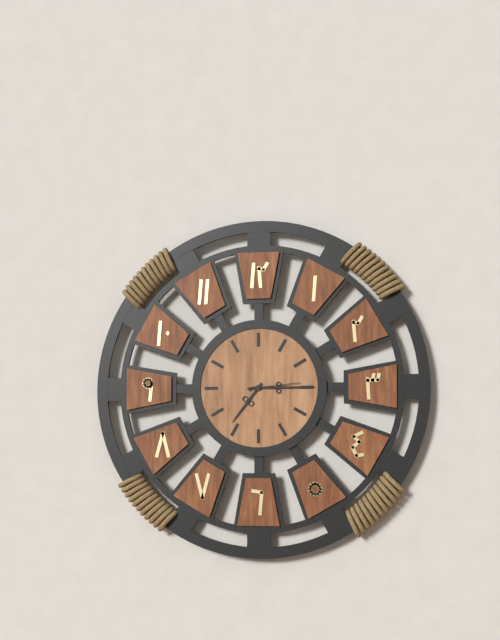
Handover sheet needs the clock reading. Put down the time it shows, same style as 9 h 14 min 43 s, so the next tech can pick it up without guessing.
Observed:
7 h 15 min 14 s
